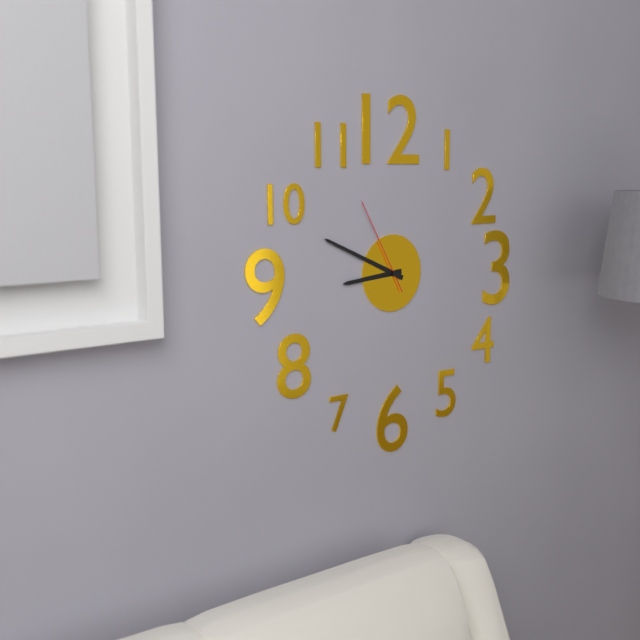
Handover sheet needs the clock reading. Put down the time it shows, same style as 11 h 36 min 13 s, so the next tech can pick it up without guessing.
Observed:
8 h 49 min 55 s
